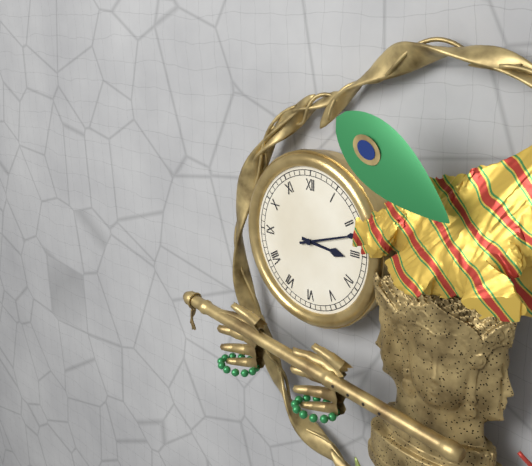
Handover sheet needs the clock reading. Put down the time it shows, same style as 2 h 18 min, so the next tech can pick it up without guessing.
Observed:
3 h 12 min
